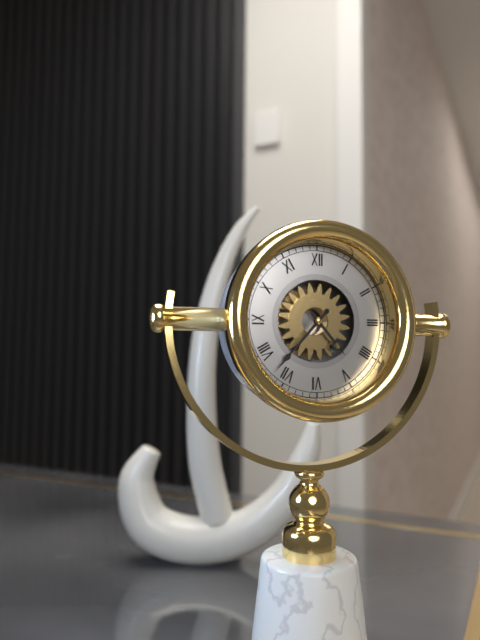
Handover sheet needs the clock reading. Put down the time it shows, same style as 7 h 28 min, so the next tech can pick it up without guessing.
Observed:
4 h 37 min
